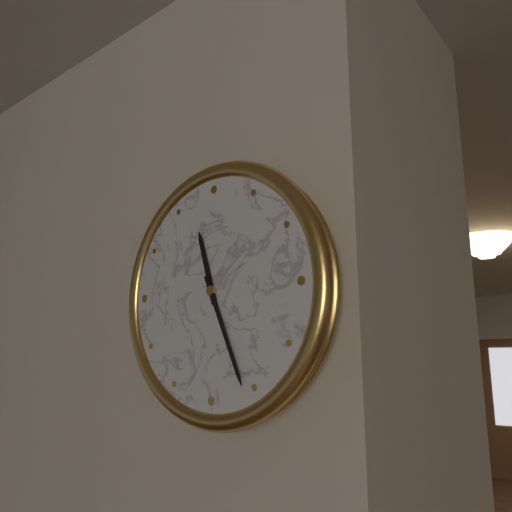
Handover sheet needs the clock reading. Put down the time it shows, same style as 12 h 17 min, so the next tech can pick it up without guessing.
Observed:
11 h 26 min
